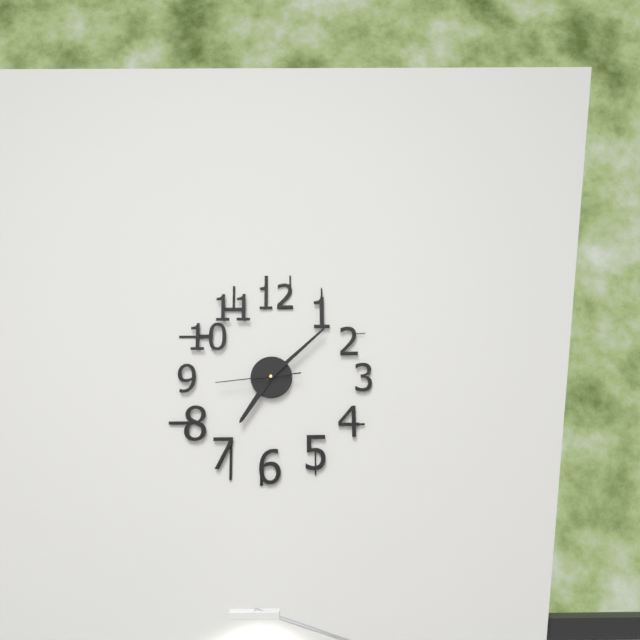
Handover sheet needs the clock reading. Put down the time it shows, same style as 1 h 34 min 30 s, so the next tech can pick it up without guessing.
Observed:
7 h 08 min 44 s
